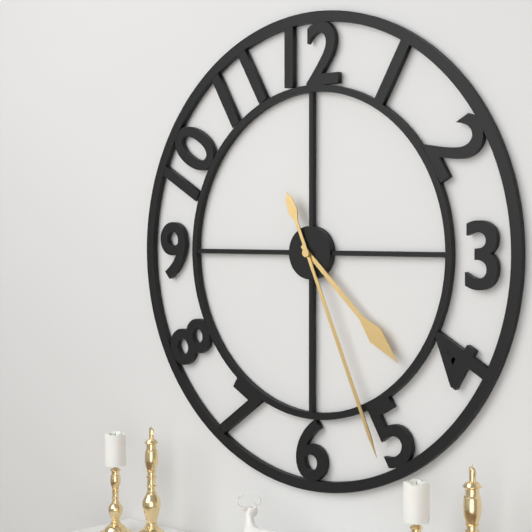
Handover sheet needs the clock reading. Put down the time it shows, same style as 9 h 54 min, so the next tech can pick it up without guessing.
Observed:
4 h 26 min
